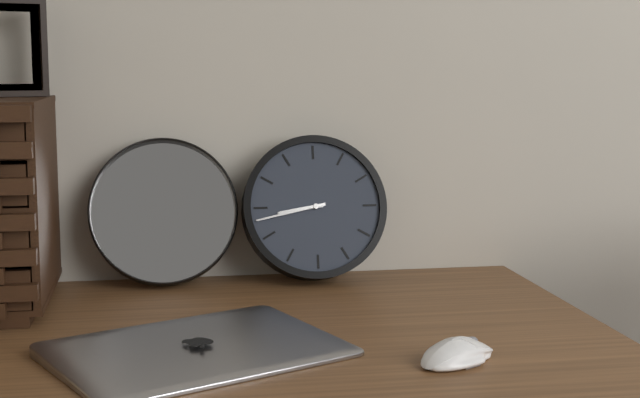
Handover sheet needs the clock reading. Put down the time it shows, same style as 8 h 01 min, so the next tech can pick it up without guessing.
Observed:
8 h 43 min
